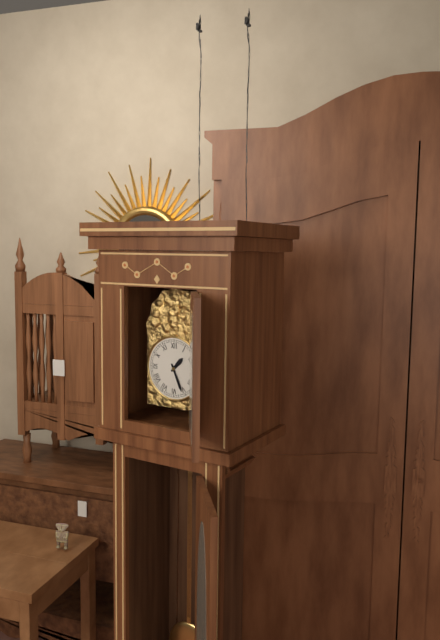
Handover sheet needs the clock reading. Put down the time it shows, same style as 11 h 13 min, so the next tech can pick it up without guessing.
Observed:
1 h 26 min
